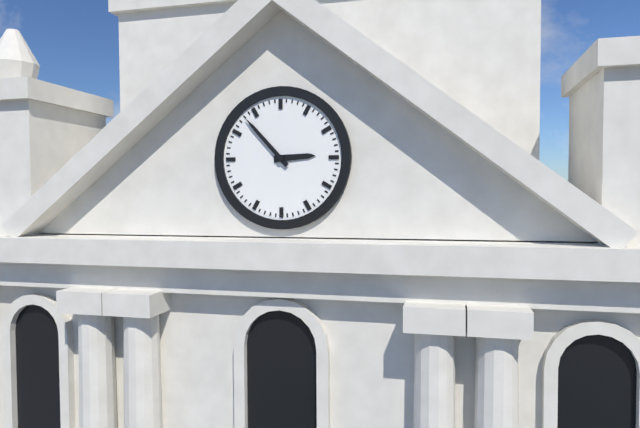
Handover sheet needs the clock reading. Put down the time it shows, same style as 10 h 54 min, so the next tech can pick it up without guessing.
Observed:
2 h 53 min
